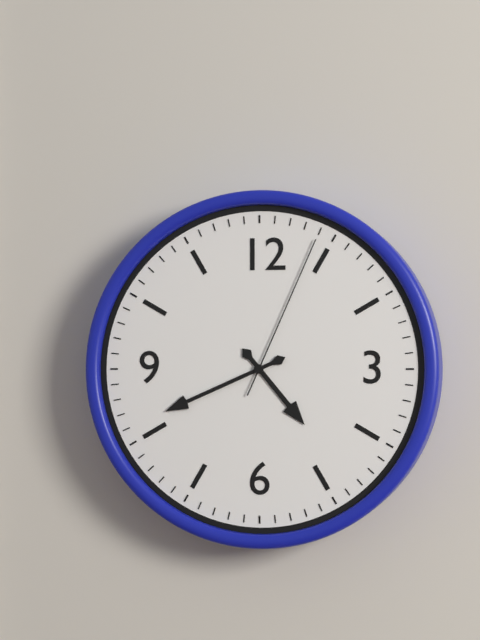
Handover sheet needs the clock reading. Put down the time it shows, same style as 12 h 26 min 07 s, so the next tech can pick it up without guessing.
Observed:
4 h 41 min 04 s
